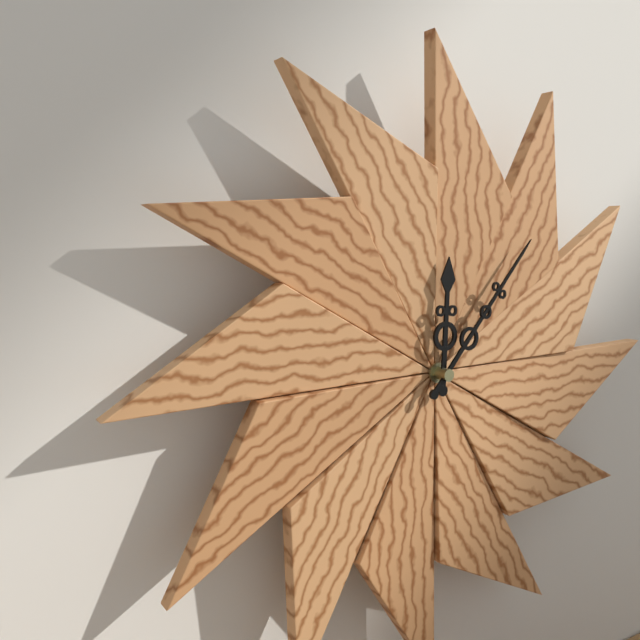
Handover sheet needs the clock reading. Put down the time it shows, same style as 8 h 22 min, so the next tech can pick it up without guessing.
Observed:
12 h 07 min
